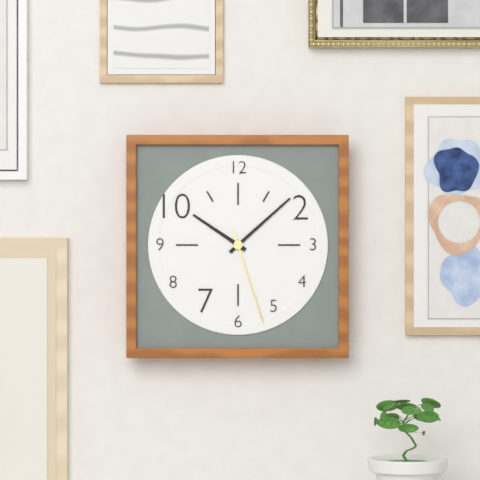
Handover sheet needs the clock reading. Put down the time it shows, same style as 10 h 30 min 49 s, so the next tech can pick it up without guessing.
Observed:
10 h 08 min 27 s
